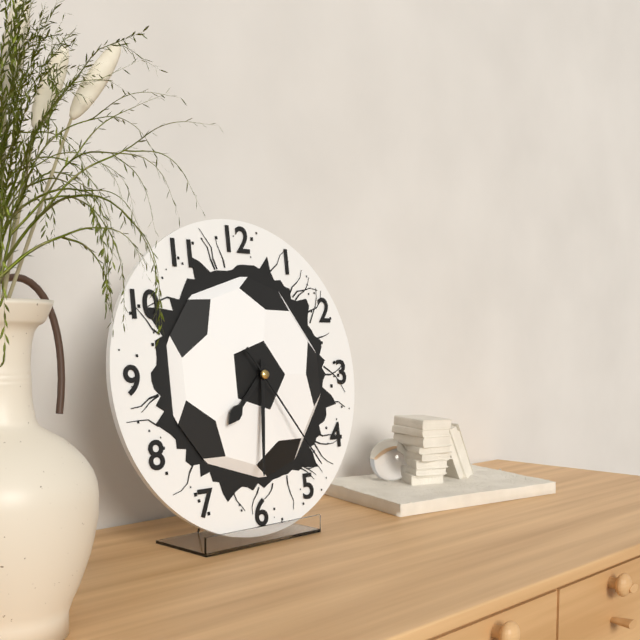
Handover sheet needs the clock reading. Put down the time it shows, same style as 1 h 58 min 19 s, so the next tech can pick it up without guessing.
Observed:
7 h 31 min 24 s
